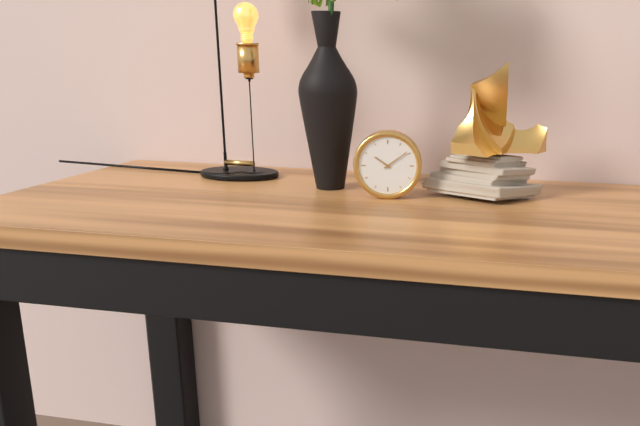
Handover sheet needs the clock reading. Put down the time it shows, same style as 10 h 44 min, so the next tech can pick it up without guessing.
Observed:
10 h 09 min
